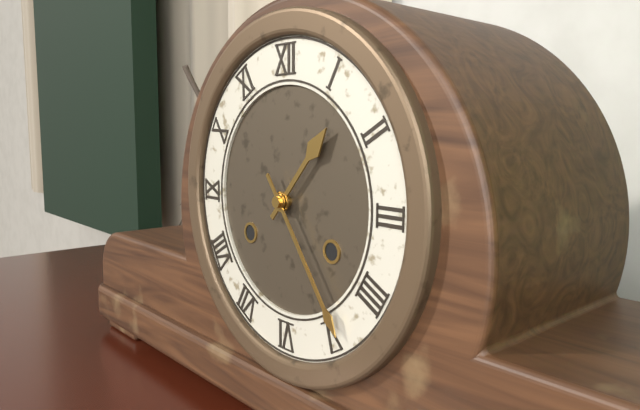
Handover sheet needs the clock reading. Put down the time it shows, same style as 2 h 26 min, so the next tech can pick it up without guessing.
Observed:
1 h 24 min
